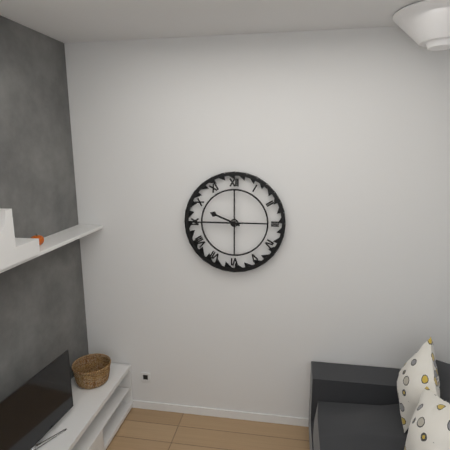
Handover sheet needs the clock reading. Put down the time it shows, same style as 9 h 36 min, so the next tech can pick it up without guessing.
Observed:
9 h 45 min
